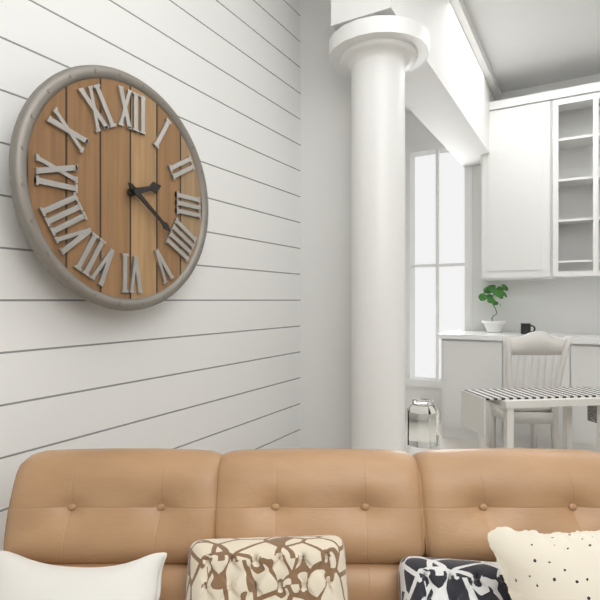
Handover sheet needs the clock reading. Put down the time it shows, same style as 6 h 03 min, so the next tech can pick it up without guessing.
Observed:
2 h 21 min
